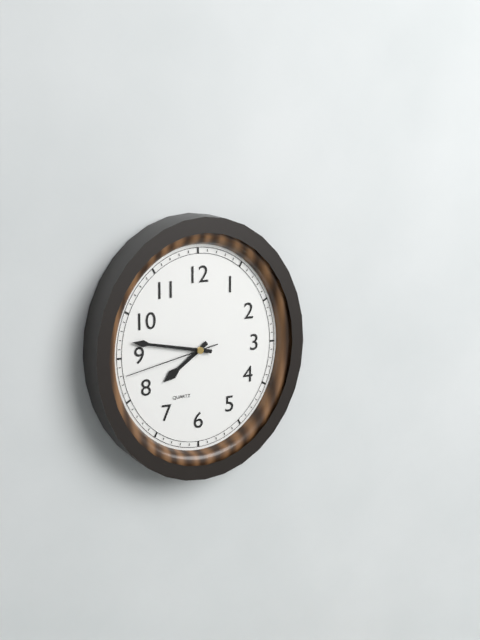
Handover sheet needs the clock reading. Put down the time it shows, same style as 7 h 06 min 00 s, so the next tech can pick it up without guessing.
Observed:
7 h 47 min 43 s
